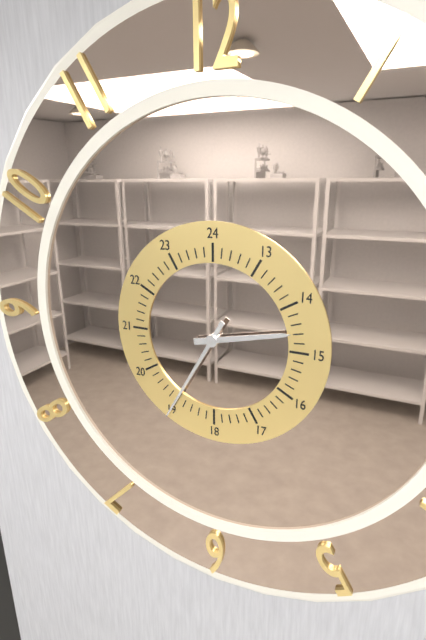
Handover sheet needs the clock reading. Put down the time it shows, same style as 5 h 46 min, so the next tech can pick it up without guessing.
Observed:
2 h 35 min
